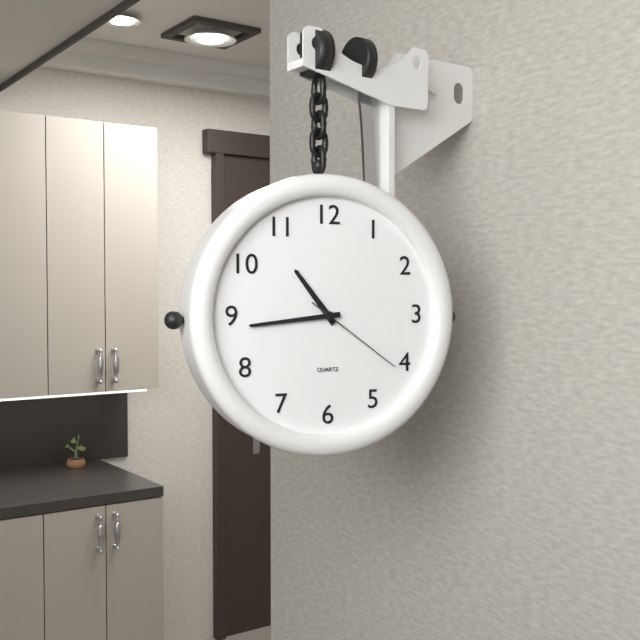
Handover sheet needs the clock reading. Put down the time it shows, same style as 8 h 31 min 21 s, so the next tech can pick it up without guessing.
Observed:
10 h 44 min 21 s
